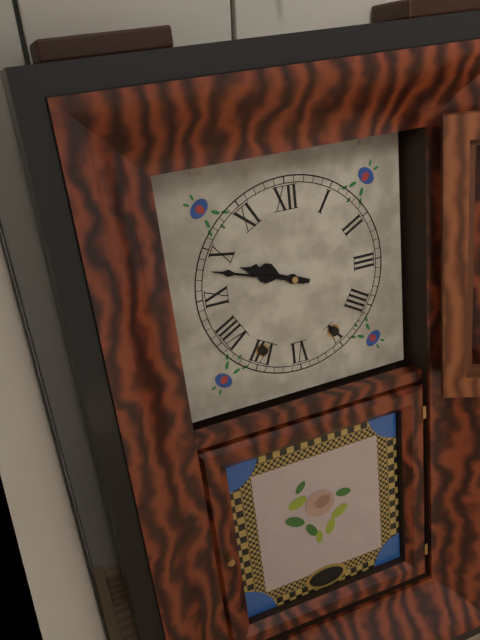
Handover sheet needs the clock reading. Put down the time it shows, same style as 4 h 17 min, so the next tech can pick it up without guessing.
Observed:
9 h 48 min
